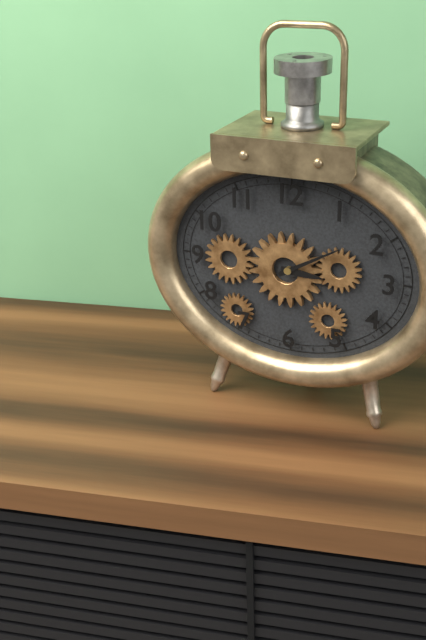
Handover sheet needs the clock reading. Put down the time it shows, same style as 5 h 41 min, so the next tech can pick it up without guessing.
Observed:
3 h 10 min
